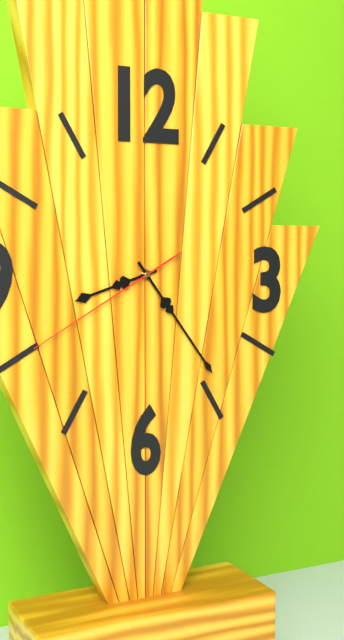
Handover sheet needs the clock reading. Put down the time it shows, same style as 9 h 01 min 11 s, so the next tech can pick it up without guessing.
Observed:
8 h 24 min 40 s
